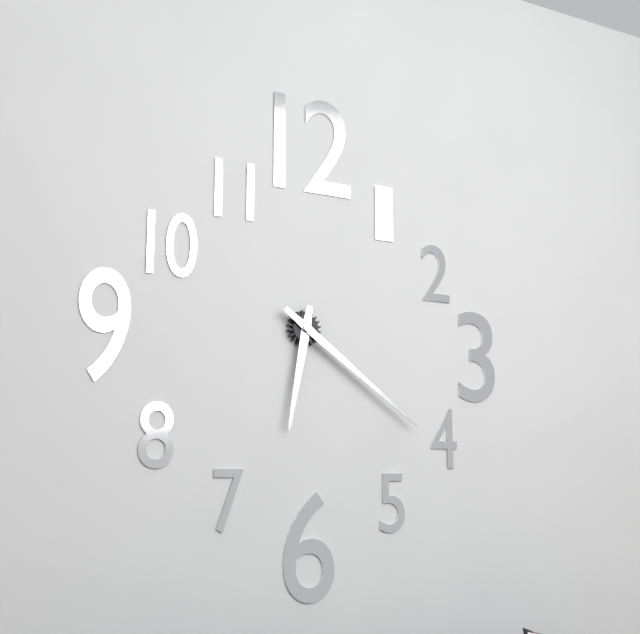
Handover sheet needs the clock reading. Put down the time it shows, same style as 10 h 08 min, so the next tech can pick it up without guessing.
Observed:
6 h 21 min
